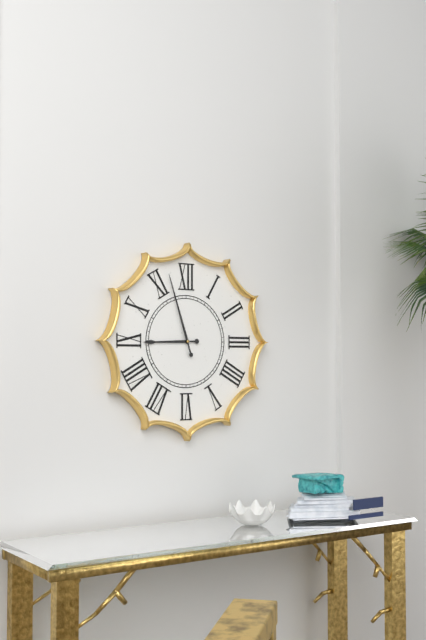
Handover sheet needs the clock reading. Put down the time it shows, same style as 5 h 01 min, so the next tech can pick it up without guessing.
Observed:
8 h 57 min
